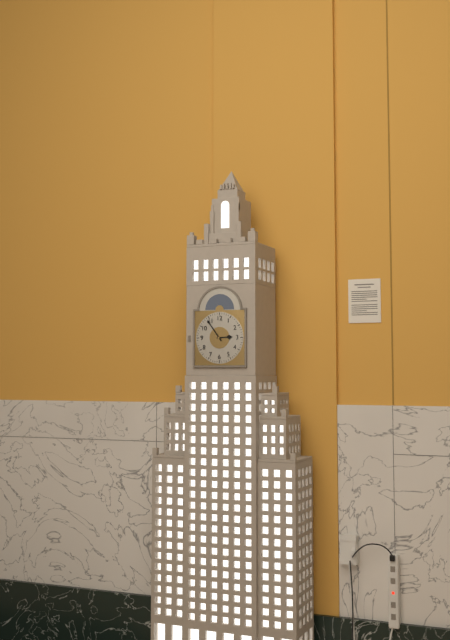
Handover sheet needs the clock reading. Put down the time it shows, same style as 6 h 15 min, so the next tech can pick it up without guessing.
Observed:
2 h 54 min
